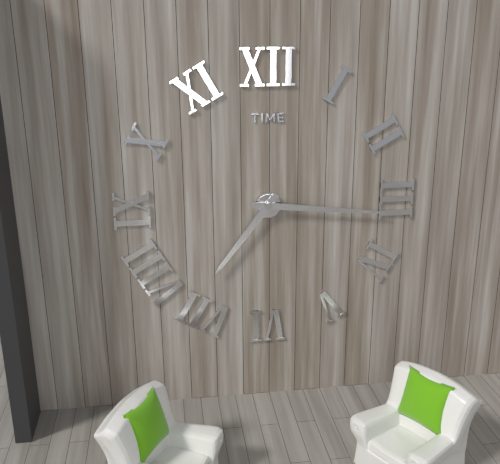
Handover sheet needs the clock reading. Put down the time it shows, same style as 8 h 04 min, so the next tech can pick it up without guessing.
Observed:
7 h 16 min
